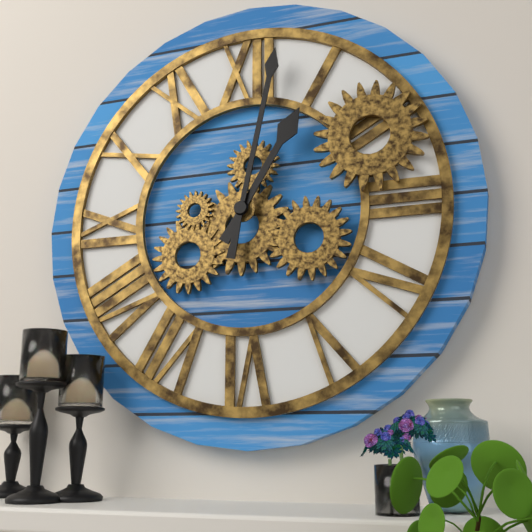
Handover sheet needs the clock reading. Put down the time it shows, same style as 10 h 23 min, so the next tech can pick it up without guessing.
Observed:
1 h 02 min
